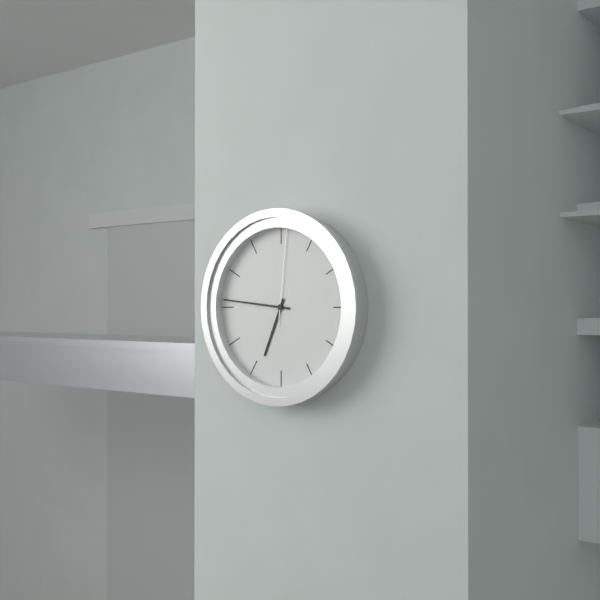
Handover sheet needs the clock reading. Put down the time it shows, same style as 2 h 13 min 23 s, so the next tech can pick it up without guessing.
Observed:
6 h 46 min 01 s
